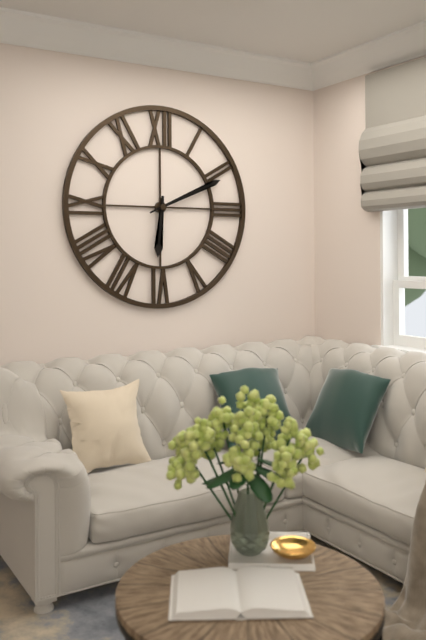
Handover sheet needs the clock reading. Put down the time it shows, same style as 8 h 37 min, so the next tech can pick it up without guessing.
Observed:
6 h 11 min
